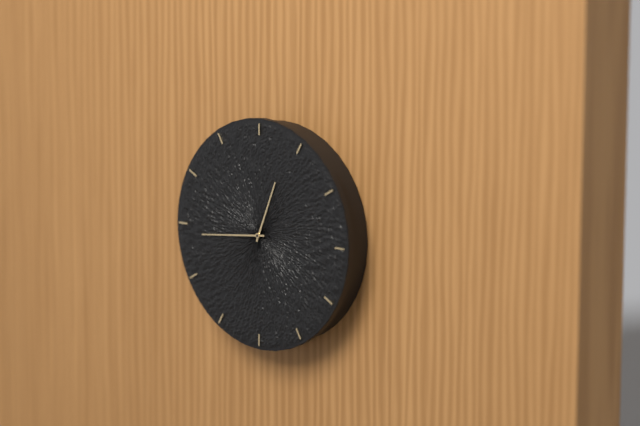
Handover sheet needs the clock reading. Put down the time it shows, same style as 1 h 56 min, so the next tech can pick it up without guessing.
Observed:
12 h 44 min
